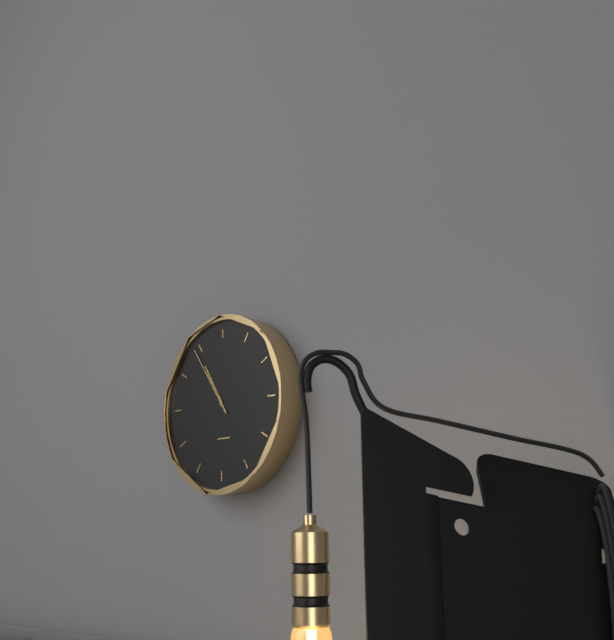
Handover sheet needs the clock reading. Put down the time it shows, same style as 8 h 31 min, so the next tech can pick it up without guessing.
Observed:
10 h 54 min
